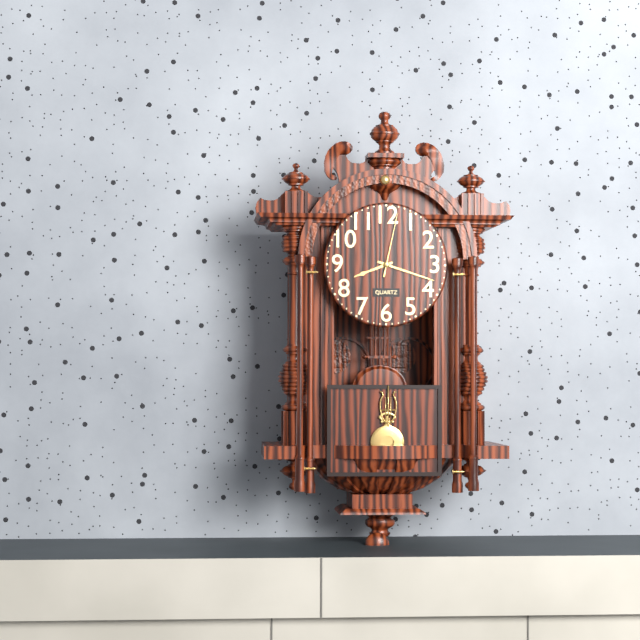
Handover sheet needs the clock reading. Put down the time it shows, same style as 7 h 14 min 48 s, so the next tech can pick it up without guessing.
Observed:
8 h 18 min 02 s
